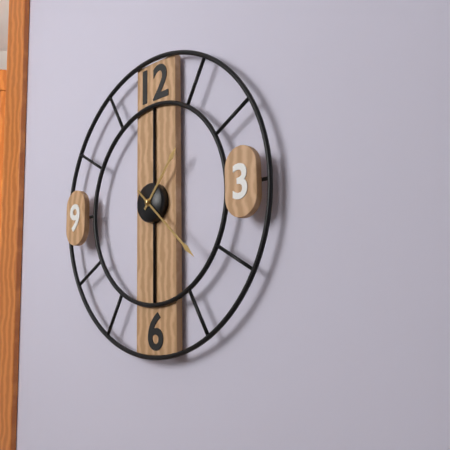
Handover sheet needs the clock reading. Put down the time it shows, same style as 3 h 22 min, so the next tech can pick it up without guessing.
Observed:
1 h 22 min
